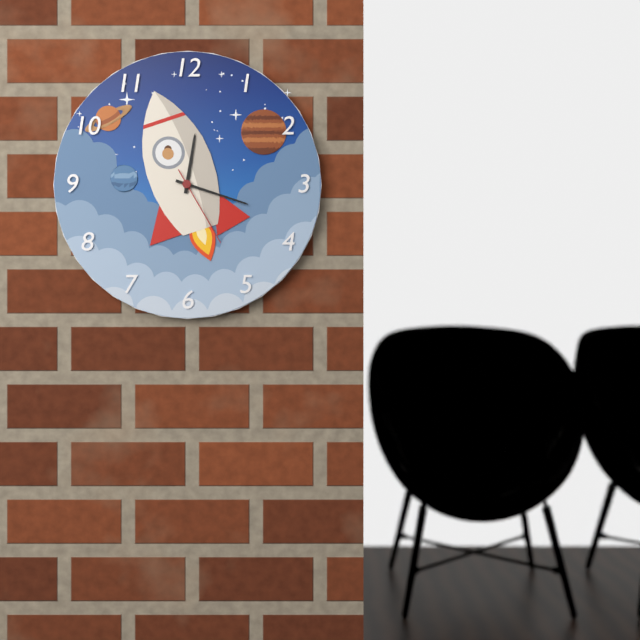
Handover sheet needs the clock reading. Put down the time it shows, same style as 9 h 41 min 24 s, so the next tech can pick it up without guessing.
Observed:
12 h 18 min 25 s
